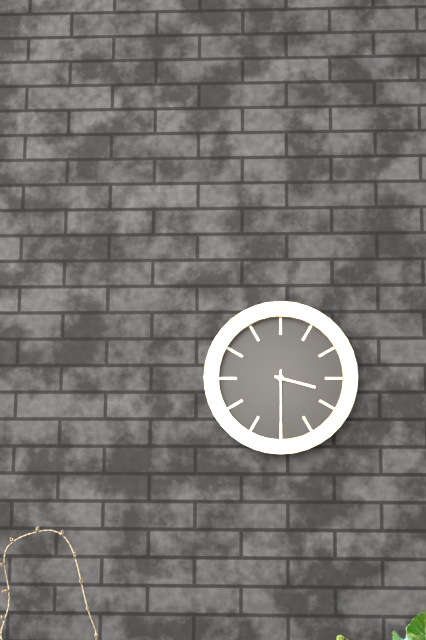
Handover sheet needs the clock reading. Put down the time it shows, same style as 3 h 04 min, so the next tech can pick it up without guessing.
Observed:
3 h 30 min
